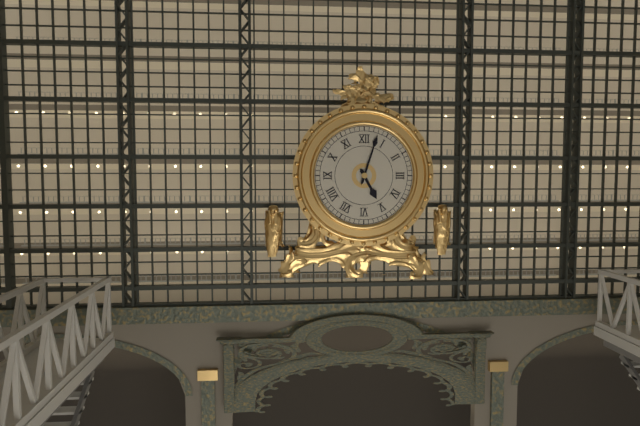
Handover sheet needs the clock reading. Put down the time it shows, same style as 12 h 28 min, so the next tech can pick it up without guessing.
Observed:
5 h 03 min
